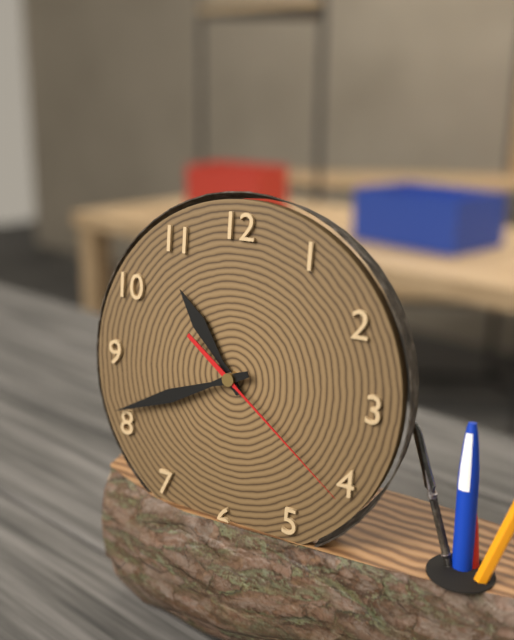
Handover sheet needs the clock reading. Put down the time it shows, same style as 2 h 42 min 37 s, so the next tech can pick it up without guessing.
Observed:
10 h 41 min 21 s
